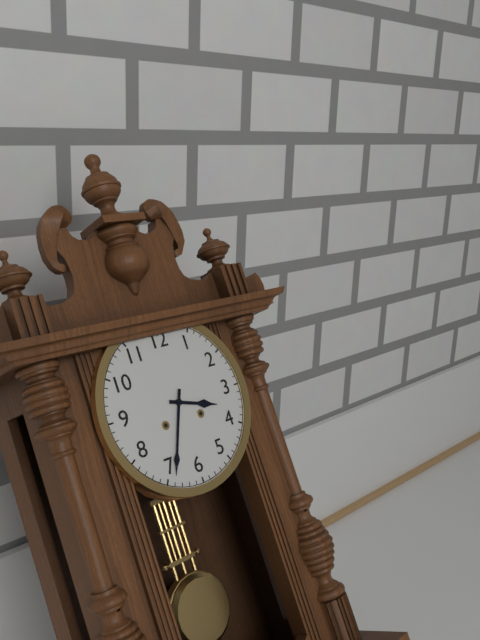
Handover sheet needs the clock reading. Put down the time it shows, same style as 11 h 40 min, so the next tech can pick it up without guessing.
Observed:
3 h 34 min
